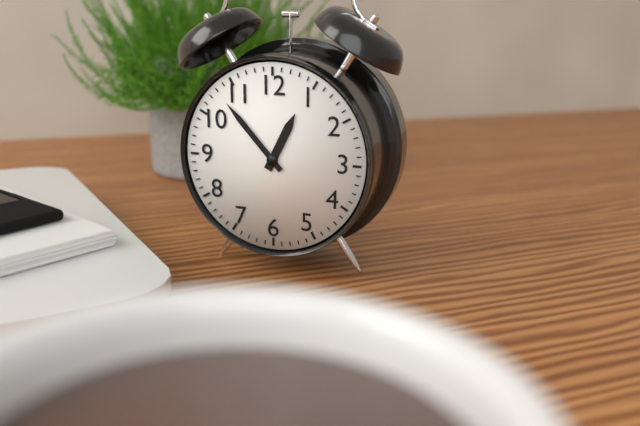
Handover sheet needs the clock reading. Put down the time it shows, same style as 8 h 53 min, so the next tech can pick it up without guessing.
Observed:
12 h 53 min
